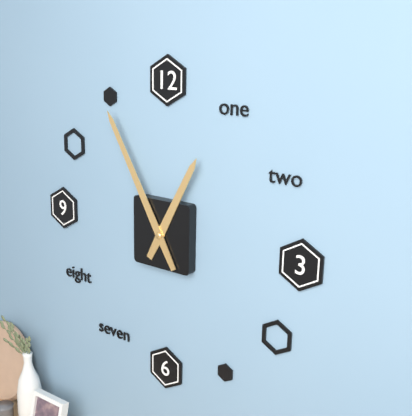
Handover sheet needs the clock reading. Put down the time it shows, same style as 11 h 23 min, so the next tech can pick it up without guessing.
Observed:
12 h 55 min
